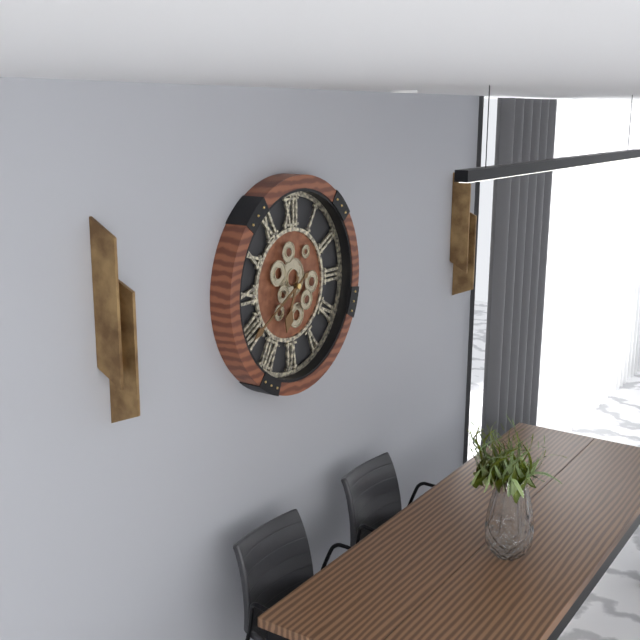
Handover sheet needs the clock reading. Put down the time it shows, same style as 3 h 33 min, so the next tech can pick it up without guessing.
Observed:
6 h 40 min
